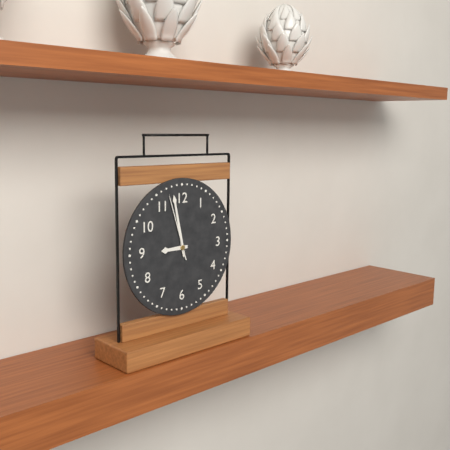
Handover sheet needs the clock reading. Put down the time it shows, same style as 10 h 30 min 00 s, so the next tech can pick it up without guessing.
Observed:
8 h 58 min 57 s
